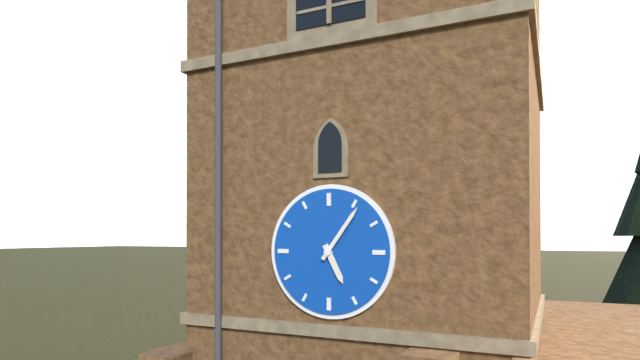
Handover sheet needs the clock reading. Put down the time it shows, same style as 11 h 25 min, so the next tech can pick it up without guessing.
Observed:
5 h 06 min
